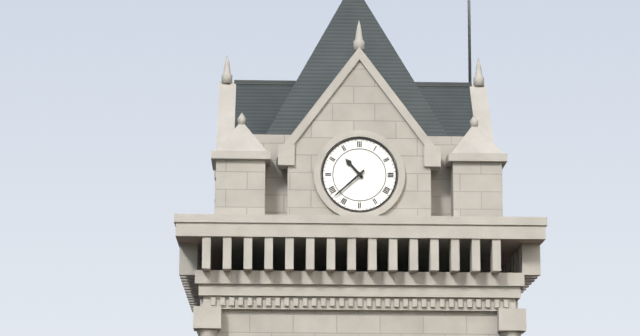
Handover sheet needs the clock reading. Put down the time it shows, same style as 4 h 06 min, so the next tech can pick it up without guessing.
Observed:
10 h 38 min
